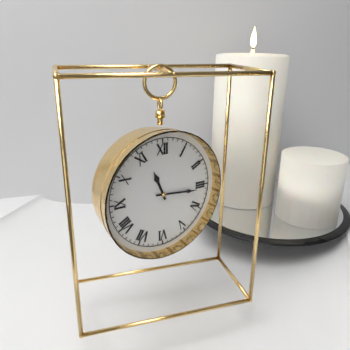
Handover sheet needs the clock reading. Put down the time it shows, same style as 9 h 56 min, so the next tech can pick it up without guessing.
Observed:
11 h 16 min
